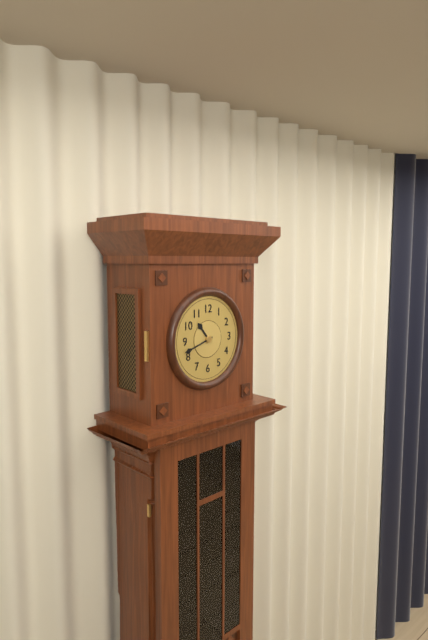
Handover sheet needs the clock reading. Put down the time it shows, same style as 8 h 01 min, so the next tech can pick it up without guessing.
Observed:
10 h 42 min
